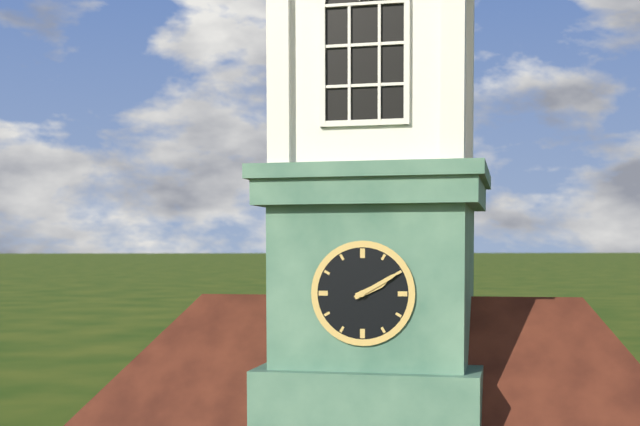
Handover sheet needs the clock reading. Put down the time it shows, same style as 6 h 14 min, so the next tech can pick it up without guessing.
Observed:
2 h 10 min
